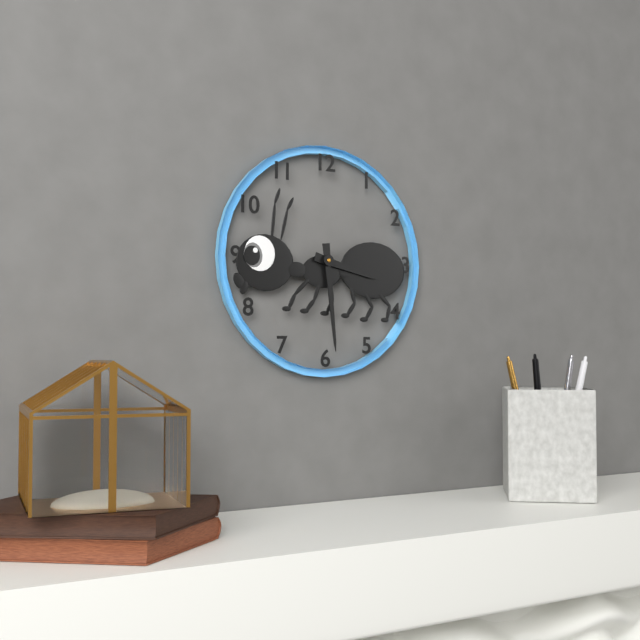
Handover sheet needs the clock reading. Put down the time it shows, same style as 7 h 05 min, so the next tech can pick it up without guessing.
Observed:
3 h 29 min
